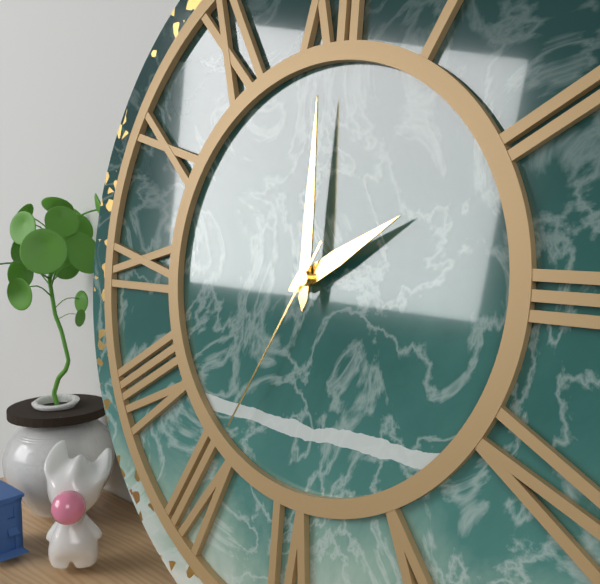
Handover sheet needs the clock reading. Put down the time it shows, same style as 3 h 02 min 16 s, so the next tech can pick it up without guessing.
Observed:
2 h 00 min 35 s
